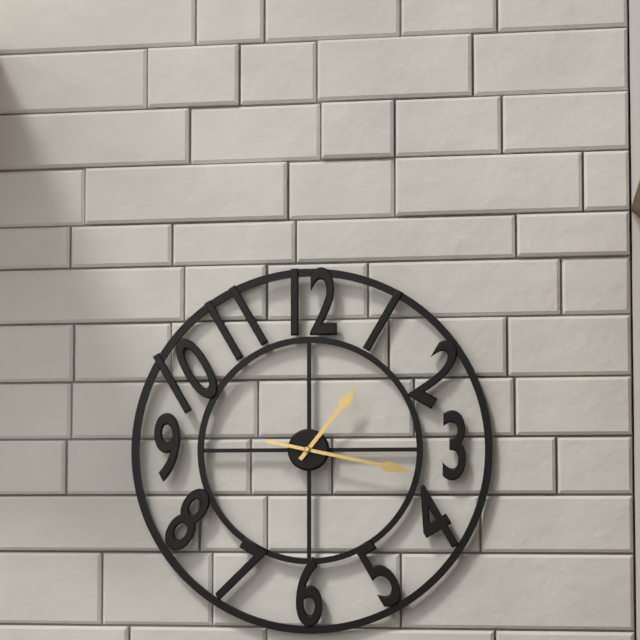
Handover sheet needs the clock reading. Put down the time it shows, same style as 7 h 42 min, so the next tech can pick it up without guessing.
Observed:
1 h 17 min
